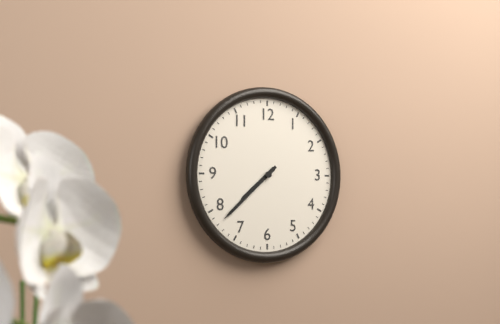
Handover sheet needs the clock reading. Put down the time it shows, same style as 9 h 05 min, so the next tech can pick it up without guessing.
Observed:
7 h 38 min
